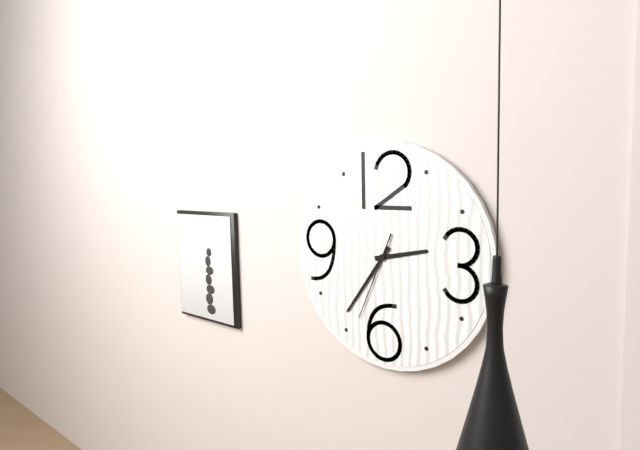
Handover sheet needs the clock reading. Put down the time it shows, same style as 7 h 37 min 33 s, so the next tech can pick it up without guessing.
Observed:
2 h 36 min 34 s
